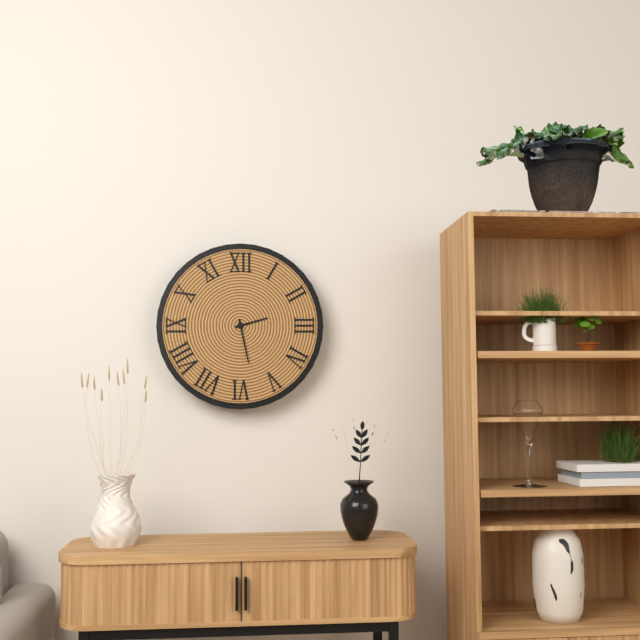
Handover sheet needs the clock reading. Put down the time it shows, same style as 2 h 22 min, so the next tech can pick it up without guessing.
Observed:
2 h 28 min
